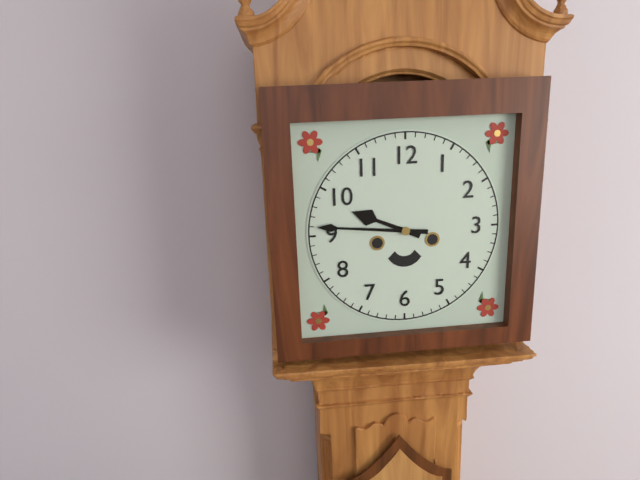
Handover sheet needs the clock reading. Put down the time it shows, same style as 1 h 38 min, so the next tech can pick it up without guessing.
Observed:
9 h 46 min
